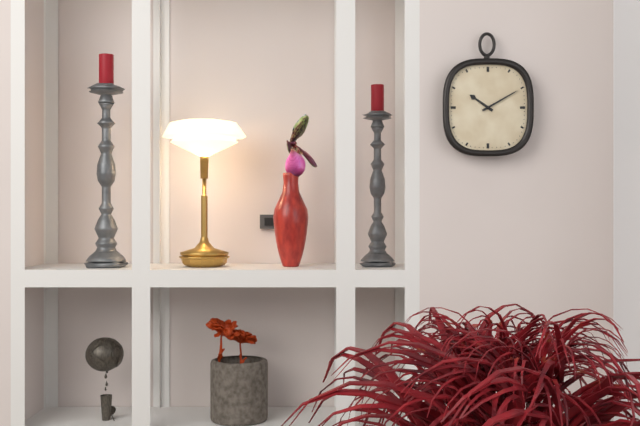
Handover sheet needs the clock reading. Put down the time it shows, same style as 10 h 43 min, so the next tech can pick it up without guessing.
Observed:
10 h 10 min
